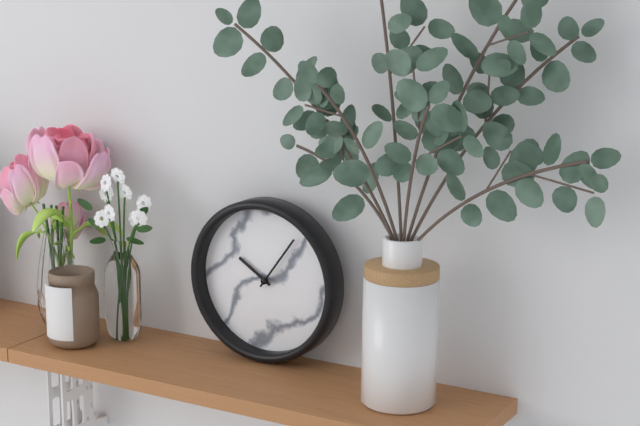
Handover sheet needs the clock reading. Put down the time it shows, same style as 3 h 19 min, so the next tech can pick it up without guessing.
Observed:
10 h 06 min
